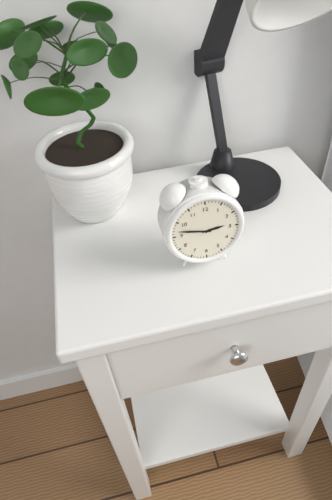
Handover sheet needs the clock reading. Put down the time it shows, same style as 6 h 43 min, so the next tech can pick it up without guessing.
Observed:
2 h 47 min
